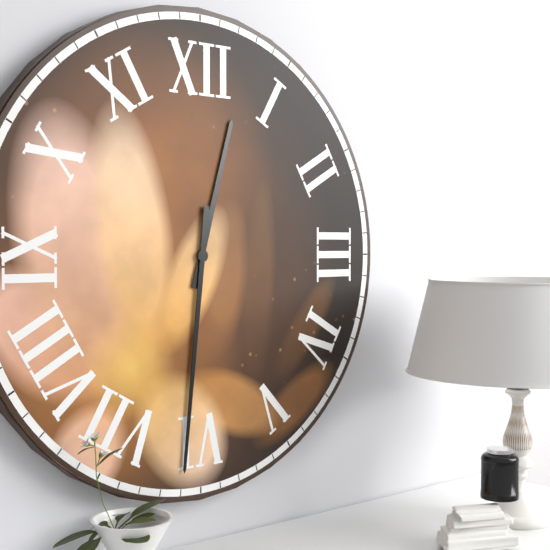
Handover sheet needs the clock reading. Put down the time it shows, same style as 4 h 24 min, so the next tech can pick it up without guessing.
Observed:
12 h 31 min
